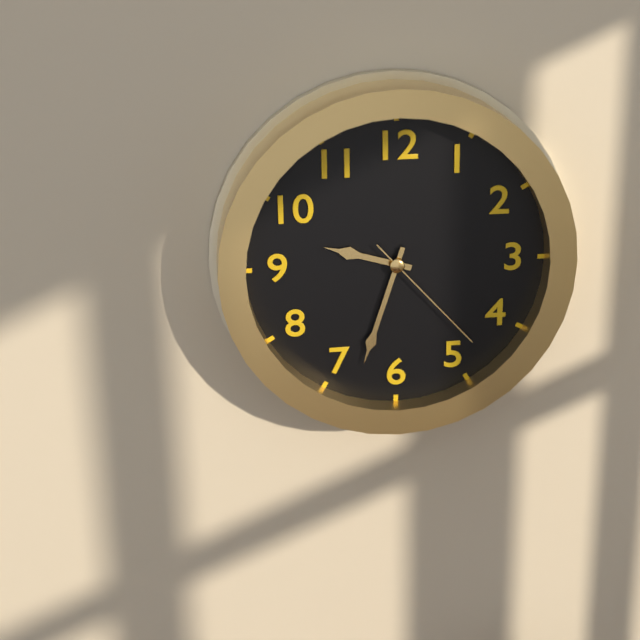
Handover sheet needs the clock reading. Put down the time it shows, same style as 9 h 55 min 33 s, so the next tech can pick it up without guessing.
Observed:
9 h 33 min 23 s
